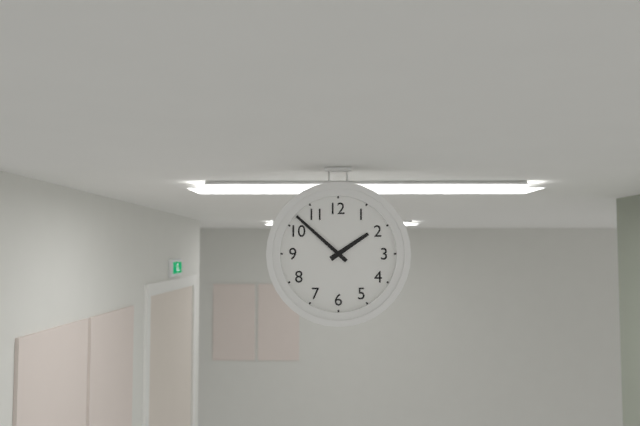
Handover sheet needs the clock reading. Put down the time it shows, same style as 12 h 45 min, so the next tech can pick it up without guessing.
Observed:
1 h 52 min
